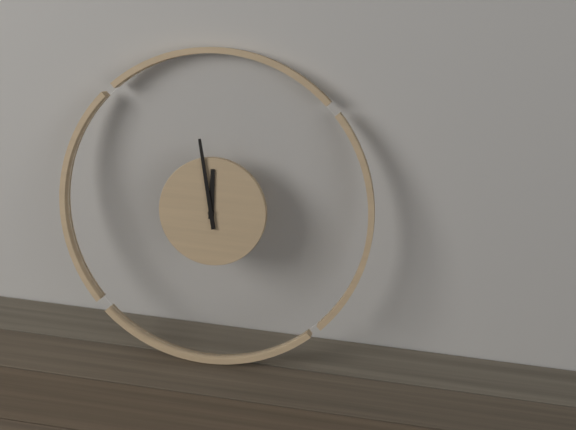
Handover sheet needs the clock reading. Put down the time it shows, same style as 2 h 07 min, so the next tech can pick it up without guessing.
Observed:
11 h 58 min
